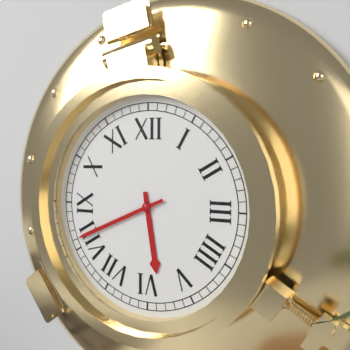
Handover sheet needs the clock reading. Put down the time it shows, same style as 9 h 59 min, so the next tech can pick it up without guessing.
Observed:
5 h 41 min
